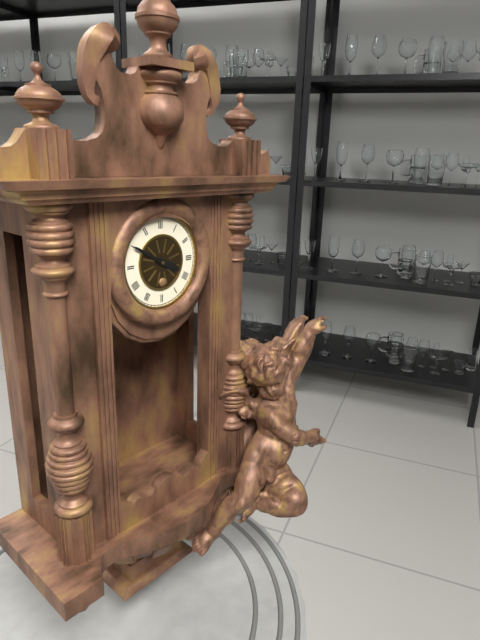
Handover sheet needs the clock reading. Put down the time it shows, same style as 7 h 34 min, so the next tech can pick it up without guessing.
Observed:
3 h 50 min
